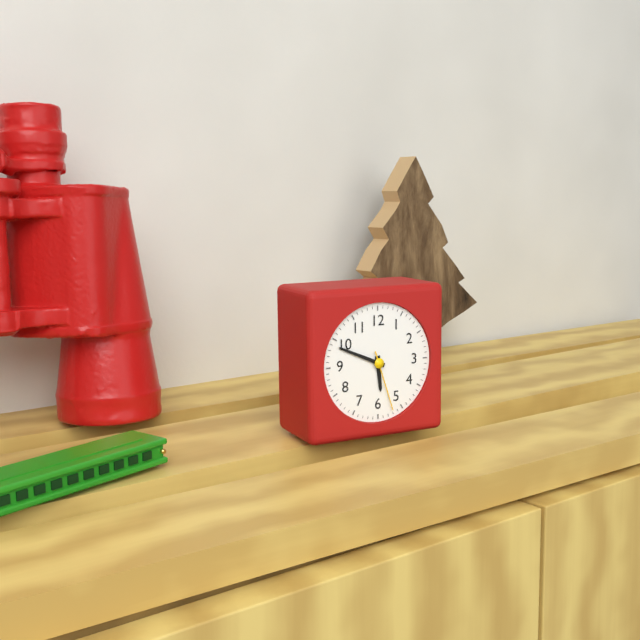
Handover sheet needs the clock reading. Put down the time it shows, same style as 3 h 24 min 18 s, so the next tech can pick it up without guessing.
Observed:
5 h 49 min 27 s
